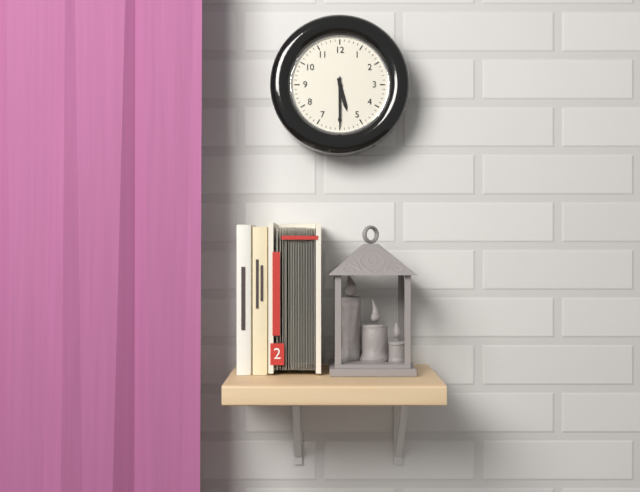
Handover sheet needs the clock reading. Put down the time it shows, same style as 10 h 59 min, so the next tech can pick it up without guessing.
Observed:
5 h 30 min
